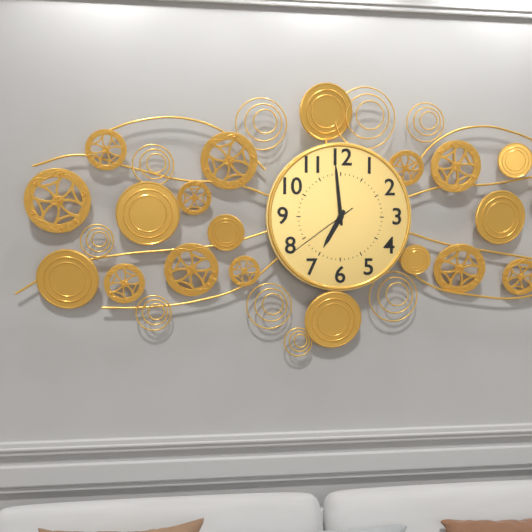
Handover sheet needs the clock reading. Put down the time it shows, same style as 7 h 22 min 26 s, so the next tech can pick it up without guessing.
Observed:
6 h 59 min 39 s
